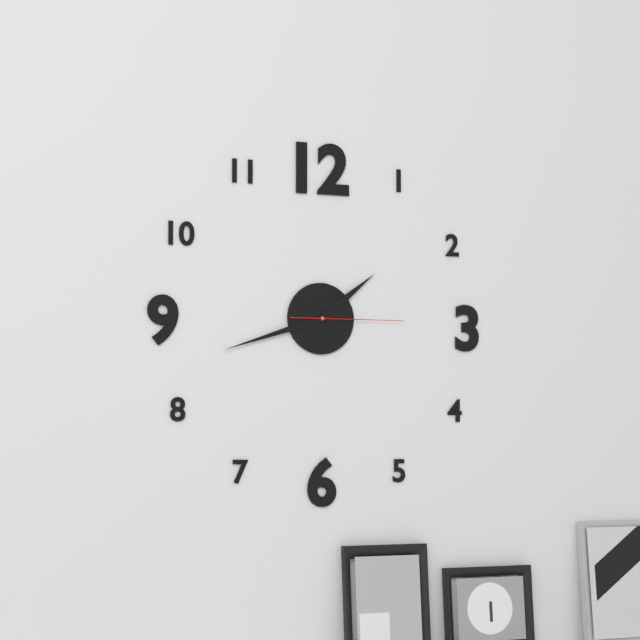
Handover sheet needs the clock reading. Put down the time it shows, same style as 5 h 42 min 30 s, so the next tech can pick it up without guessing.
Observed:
1 h 42 min 15 s
